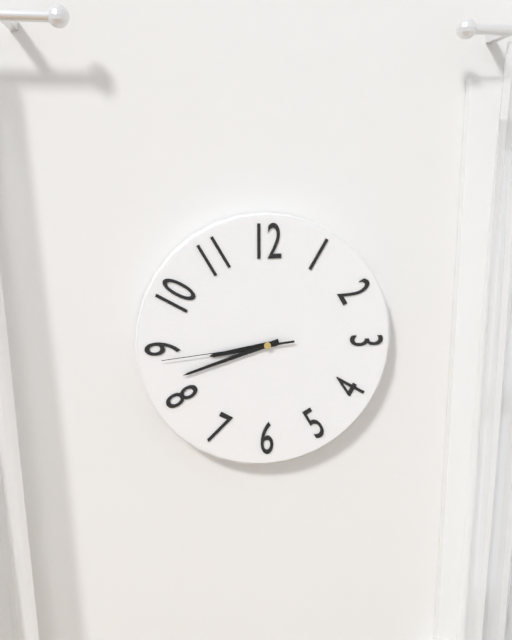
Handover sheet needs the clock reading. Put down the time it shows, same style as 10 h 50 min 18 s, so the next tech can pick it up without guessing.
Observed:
8 h 42 min 44 s
